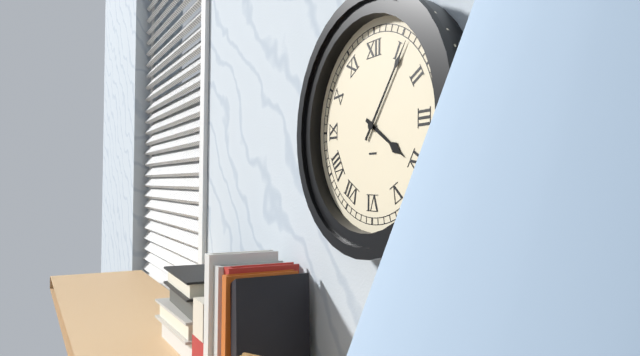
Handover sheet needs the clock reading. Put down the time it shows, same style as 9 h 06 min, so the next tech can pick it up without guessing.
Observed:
4 h 06 min
